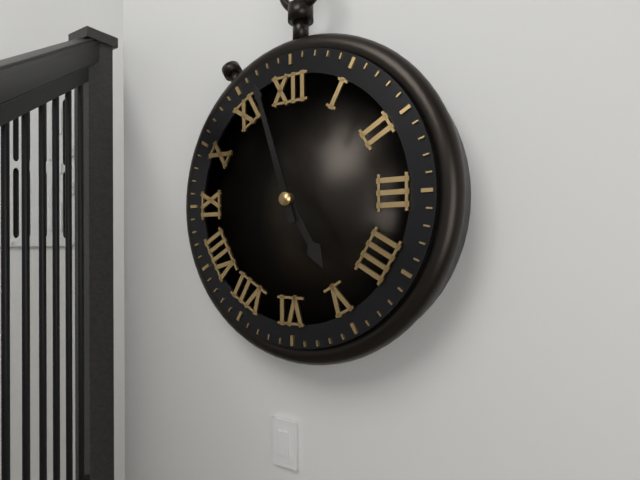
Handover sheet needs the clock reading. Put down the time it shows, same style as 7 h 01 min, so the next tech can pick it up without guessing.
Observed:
4 h 57 min
